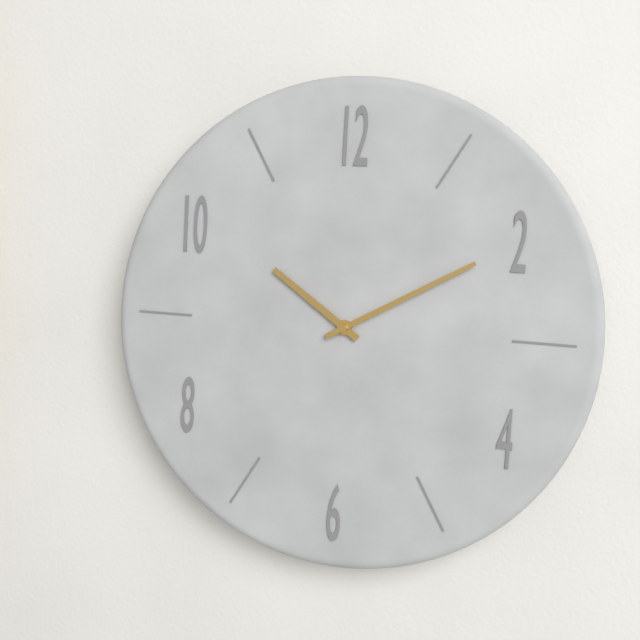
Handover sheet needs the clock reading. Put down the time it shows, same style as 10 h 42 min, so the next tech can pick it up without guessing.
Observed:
10 h 10 min
